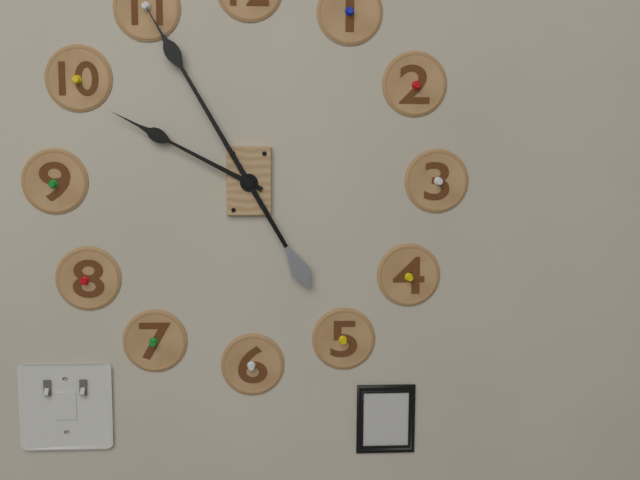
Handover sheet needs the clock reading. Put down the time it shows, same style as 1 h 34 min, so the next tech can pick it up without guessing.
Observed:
9 h 55 min
